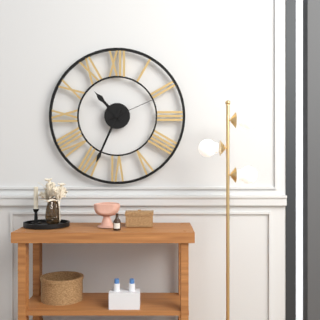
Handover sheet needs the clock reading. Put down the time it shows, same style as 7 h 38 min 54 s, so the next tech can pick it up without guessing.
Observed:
10 h 34 min 11 s
